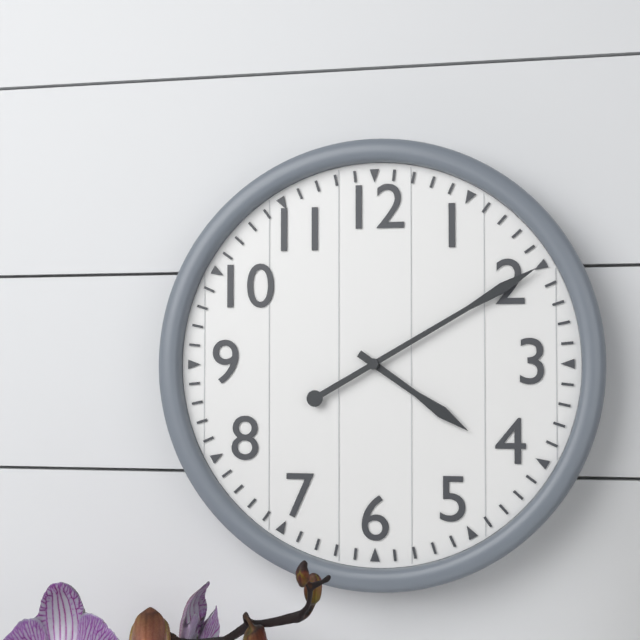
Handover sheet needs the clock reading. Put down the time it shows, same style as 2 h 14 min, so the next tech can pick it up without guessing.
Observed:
4 h 10 min
